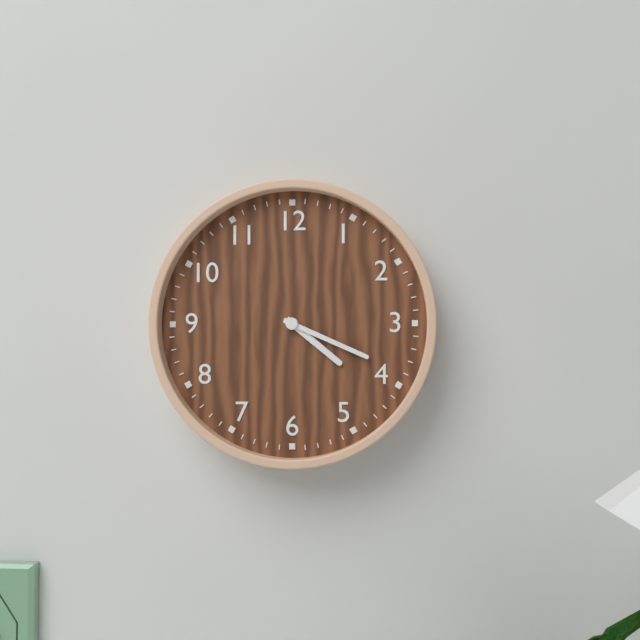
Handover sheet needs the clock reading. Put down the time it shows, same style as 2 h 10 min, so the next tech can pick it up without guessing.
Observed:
4 h 19 min
